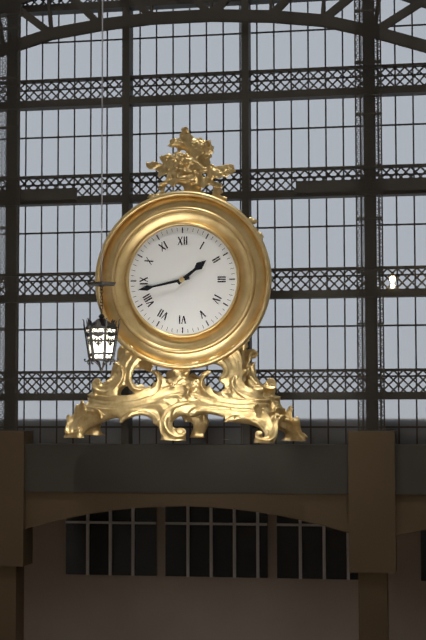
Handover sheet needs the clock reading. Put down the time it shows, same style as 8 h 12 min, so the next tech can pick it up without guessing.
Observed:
1 h 43 min
